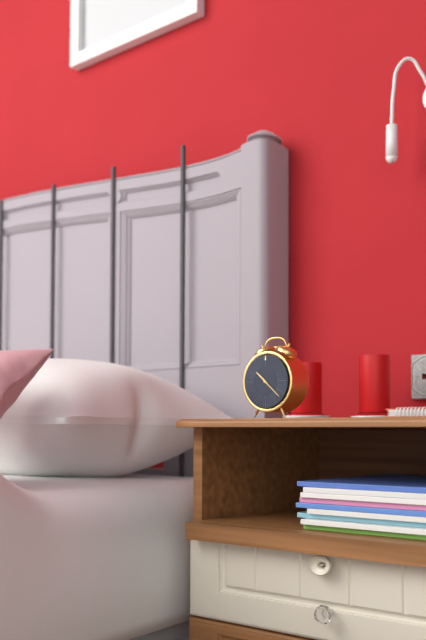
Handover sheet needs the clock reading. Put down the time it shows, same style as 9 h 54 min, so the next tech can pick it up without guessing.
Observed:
10 h 22 min
